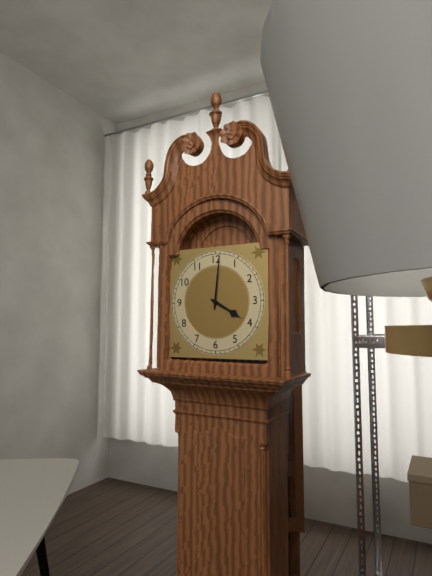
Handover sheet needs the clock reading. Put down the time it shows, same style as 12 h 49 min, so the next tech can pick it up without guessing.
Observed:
4 h 01 min
